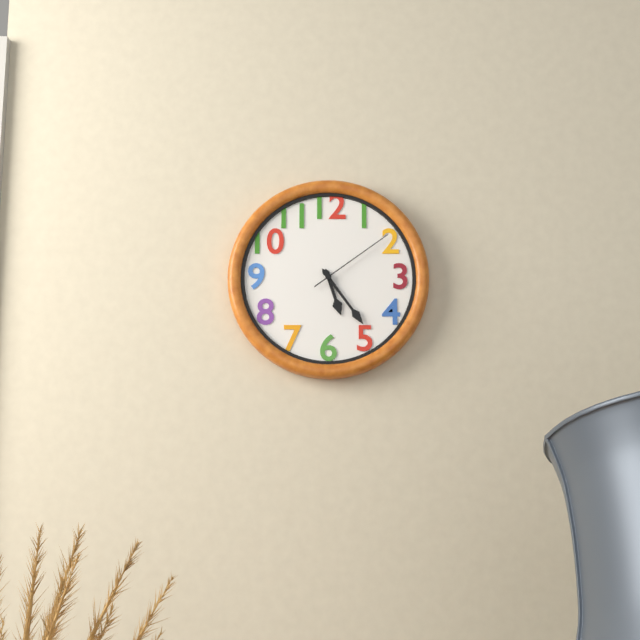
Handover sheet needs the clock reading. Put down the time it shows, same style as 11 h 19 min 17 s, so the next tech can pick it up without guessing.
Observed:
5 h 24 min 09 s
